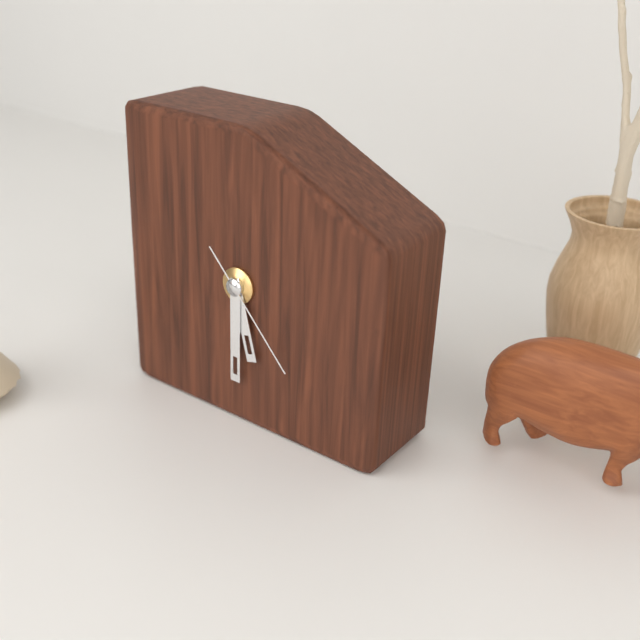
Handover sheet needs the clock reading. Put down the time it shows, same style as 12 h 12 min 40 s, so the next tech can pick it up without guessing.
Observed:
5 h 30 min 23 s
